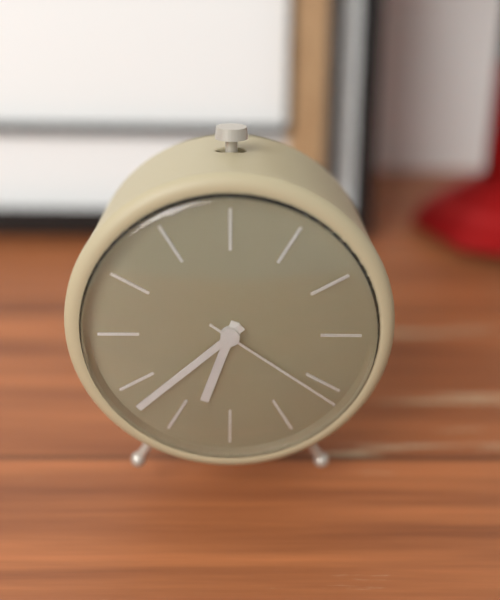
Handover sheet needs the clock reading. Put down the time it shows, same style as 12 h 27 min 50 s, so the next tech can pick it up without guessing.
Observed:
6 h 38 min 21 s
